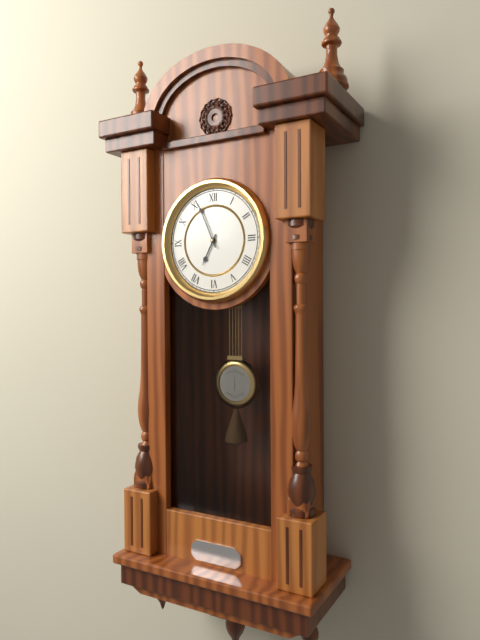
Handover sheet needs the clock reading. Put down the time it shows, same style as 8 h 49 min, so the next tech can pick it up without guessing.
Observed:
6 h 56 min
